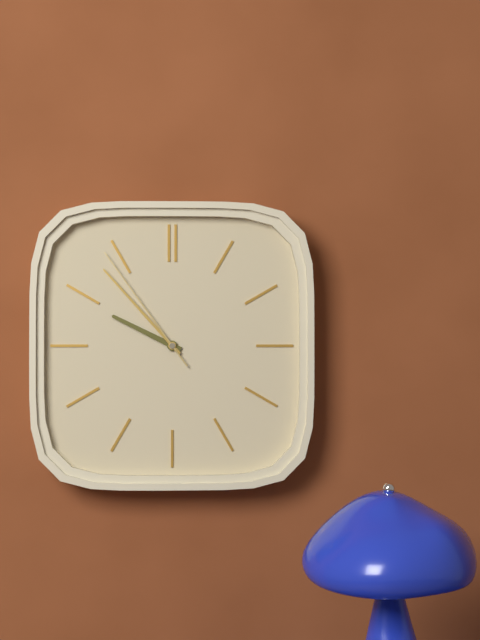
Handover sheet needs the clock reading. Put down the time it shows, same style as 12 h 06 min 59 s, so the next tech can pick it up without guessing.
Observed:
9 h 53 min 54 s
